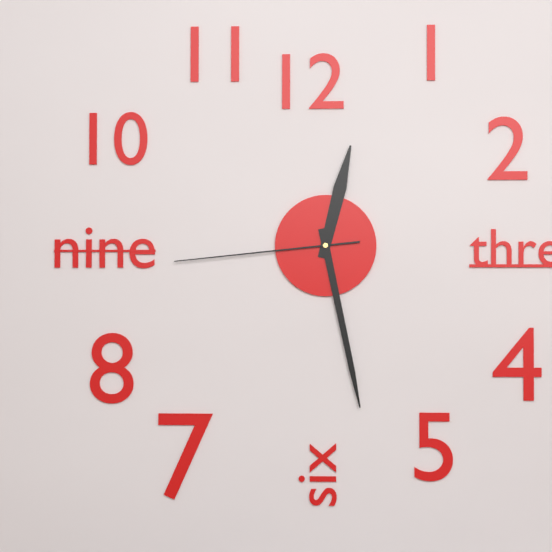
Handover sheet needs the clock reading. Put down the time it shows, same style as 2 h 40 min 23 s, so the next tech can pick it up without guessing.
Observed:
12 h 28 min 44 s
